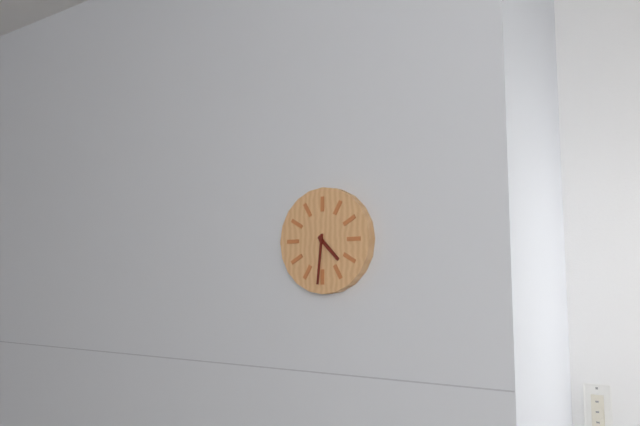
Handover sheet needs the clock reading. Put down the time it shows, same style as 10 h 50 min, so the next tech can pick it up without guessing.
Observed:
4 h 31 min
